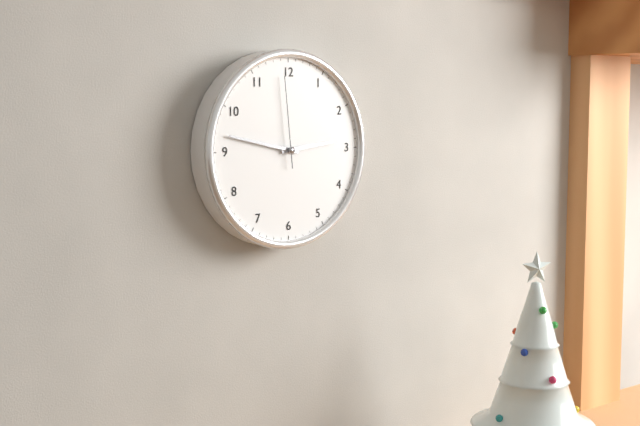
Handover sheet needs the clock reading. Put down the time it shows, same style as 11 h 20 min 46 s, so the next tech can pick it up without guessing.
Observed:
2 h 47 min 59 s
